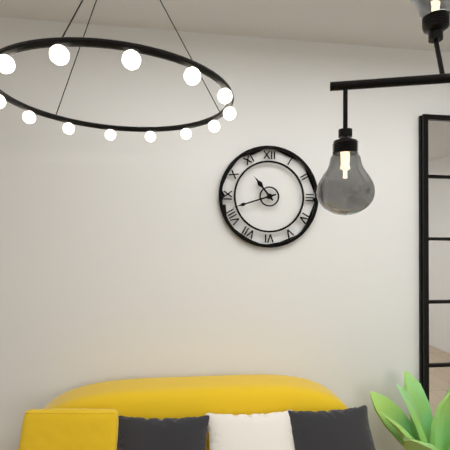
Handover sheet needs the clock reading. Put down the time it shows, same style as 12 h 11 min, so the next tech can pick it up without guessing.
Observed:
10 h 42 min
